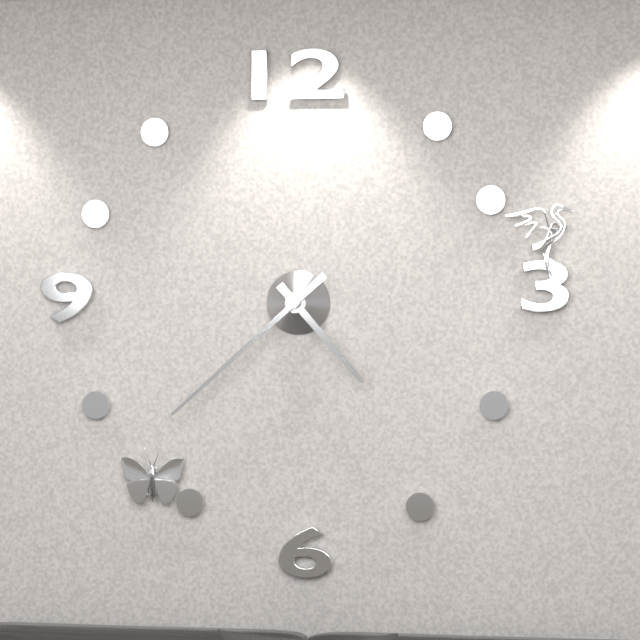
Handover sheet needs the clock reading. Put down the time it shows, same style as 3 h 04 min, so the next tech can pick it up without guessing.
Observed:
4 h 38 min
